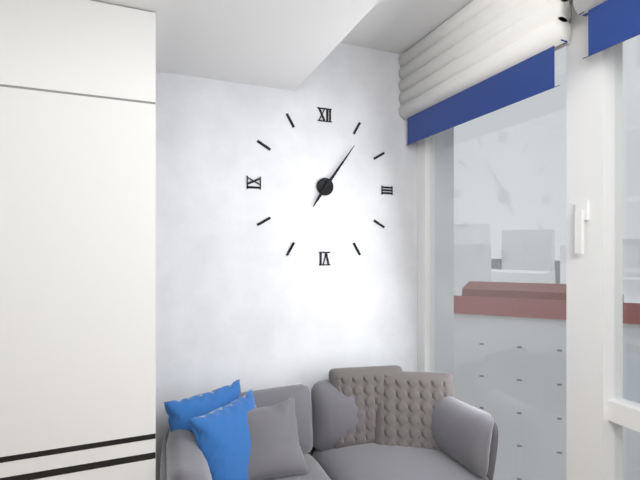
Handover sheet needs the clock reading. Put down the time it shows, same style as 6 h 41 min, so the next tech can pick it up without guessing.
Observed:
7 h 06 min
